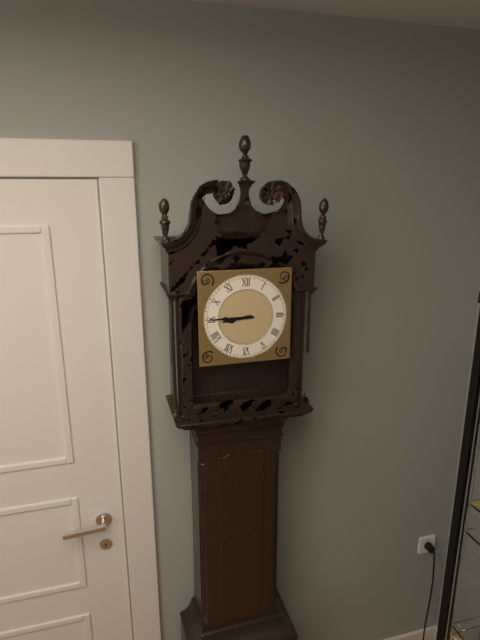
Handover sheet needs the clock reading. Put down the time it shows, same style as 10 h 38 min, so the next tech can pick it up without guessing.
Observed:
8 h 45 min
